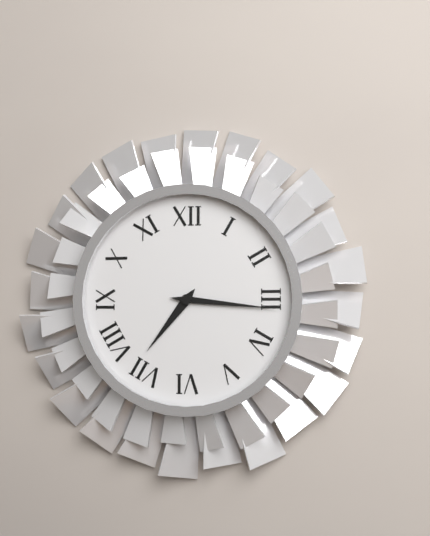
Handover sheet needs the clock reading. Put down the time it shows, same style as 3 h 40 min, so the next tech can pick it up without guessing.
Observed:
7 h 16 min
